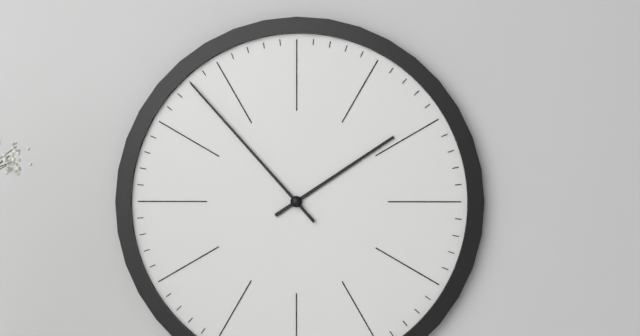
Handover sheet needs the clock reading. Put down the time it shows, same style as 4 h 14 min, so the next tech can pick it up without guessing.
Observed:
1 h 53 min
